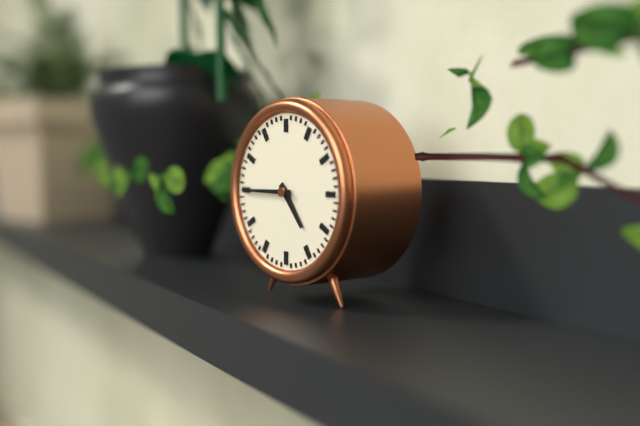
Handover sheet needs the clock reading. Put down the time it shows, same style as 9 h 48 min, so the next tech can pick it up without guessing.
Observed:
4 h 45 min
